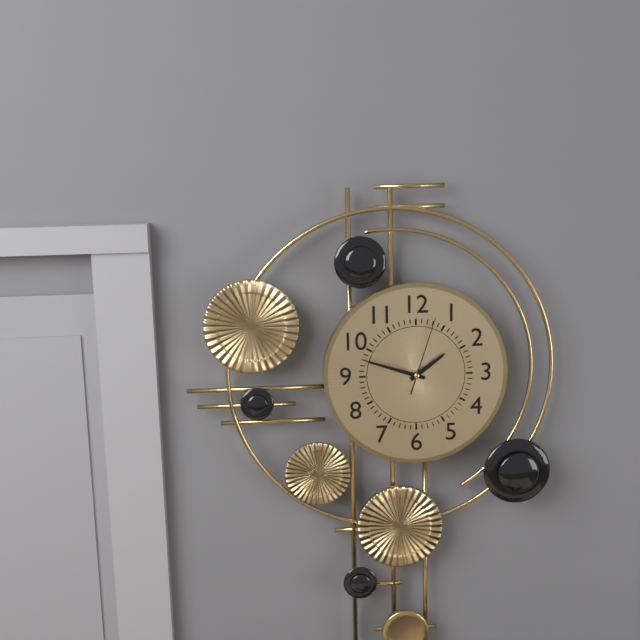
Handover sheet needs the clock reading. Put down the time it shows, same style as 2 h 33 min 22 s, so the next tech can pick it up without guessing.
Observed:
1 h 48 min 03 s
